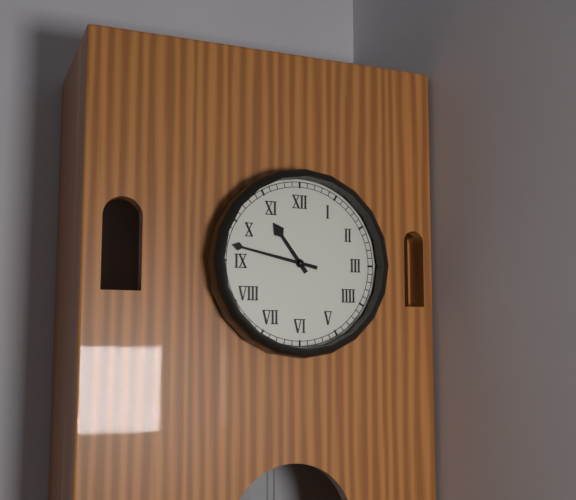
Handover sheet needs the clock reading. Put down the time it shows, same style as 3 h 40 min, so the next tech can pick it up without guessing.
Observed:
10 h 47 min
